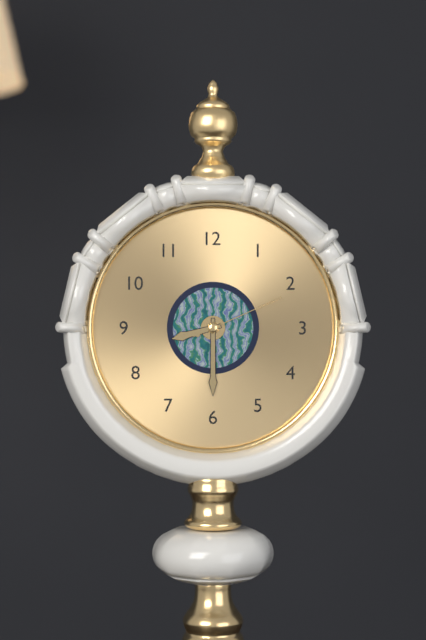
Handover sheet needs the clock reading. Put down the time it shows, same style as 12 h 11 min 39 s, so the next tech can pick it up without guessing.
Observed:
8 h 30 min 11 s
